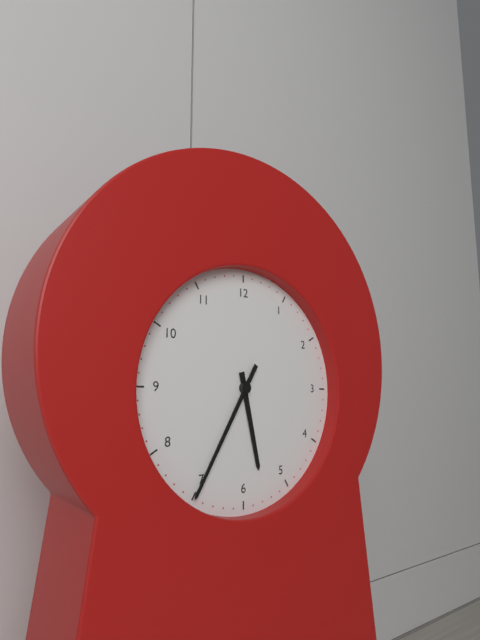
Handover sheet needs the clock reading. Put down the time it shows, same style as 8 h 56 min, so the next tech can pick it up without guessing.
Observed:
5 h 35 min
